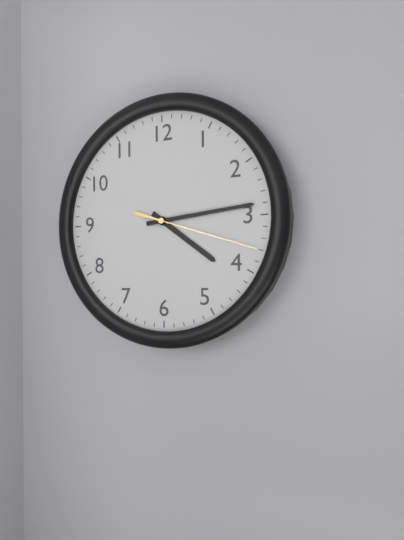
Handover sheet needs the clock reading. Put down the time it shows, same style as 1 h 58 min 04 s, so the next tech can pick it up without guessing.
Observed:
4 h 14 min 18 s
